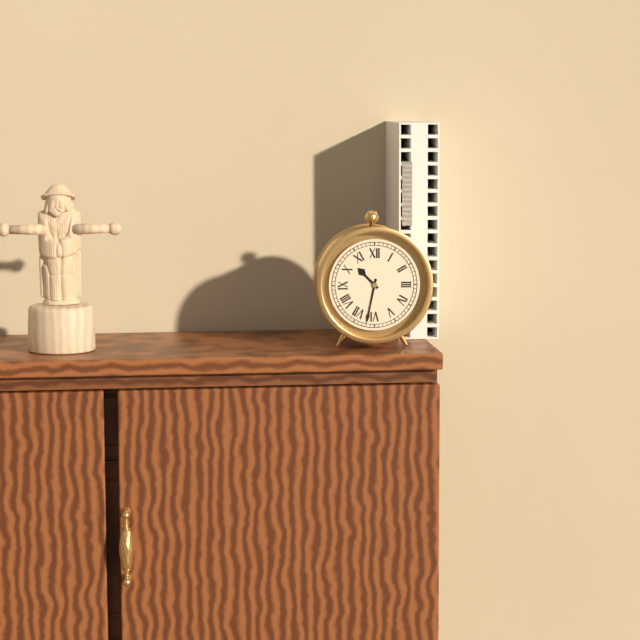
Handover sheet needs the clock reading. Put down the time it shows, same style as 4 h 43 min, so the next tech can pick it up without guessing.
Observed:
10 h 32 min
